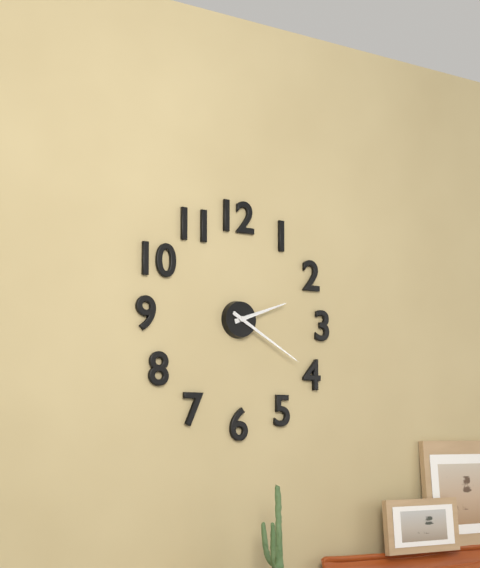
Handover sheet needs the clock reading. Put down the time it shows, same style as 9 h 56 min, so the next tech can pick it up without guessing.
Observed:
2 h 20 min
